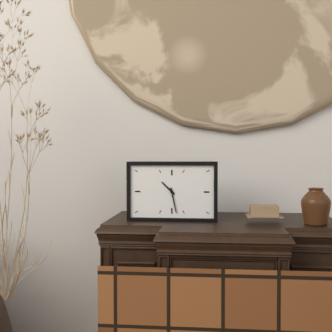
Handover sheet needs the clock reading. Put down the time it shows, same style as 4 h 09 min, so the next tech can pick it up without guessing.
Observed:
10 h 28 min
